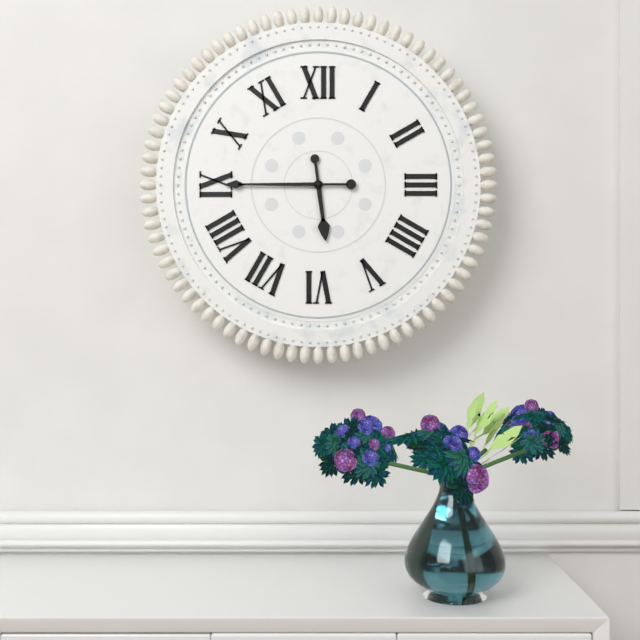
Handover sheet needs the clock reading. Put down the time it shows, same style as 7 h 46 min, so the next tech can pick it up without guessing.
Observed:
5 h 45 min
